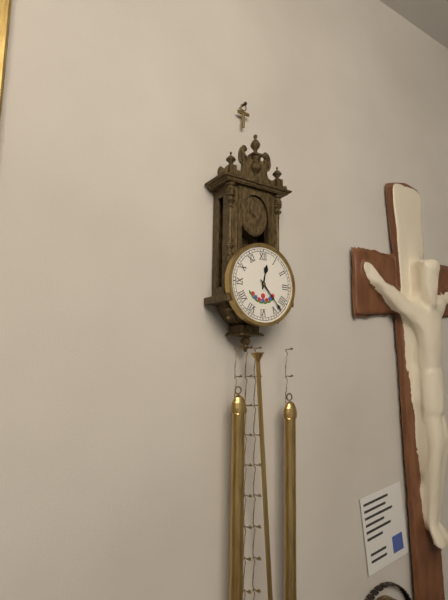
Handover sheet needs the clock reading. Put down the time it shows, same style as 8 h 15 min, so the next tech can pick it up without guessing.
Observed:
12 h 23 min
